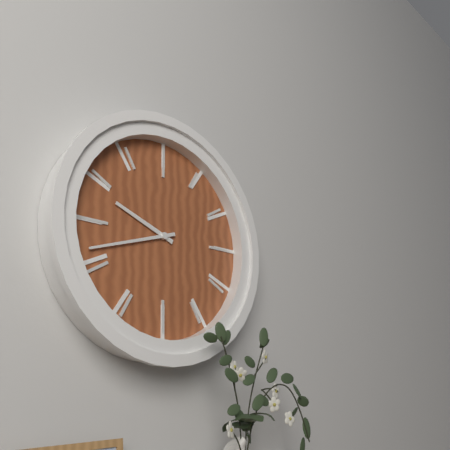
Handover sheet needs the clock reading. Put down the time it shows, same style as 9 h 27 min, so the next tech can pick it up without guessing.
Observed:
9 h 42 min
